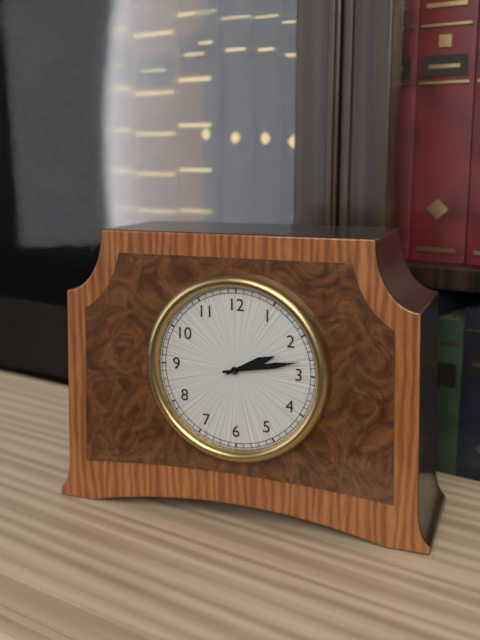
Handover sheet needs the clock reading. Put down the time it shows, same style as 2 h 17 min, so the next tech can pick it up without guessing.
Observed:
2 h 13 min
